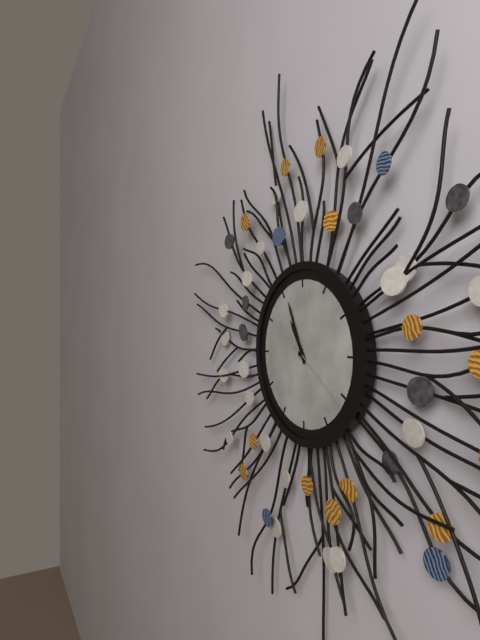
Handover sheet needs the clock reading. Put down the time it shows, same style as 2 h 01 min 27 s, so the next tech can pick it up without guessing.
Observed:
10 h 56 min 21 s
